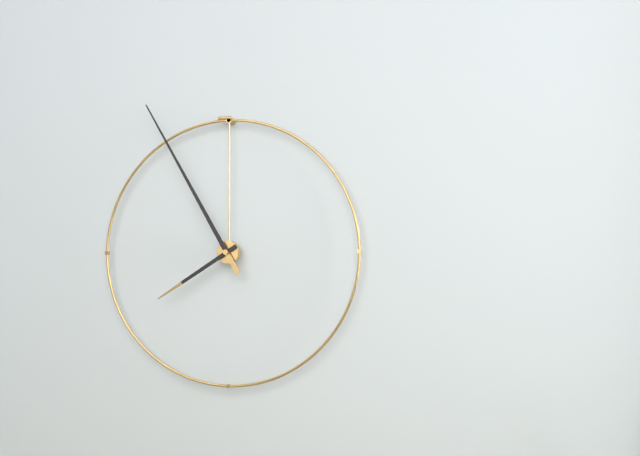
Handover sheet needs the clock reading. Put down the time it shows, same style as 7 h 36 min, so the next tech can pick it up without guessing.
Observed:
7 h 55 min
